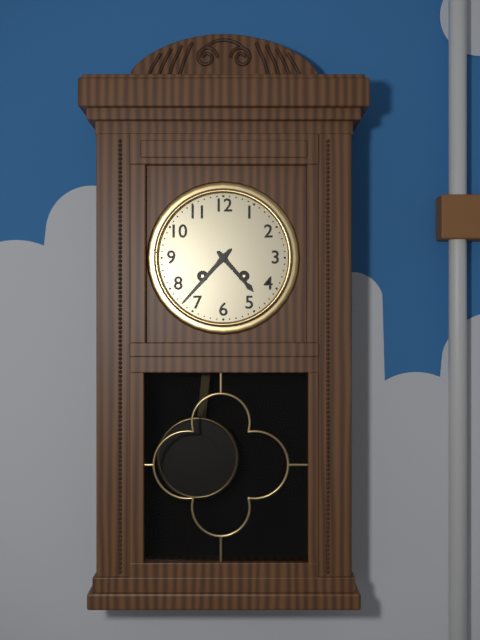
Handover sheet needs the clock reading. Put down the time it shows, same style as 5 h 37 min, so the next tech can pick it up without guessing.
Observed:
4 h 37 min
